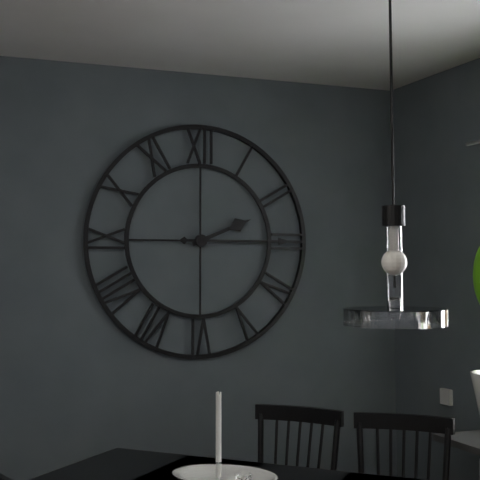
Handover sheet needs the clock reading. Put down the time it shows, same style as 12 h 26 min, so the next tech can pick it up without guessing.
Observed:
2 h 15 min
